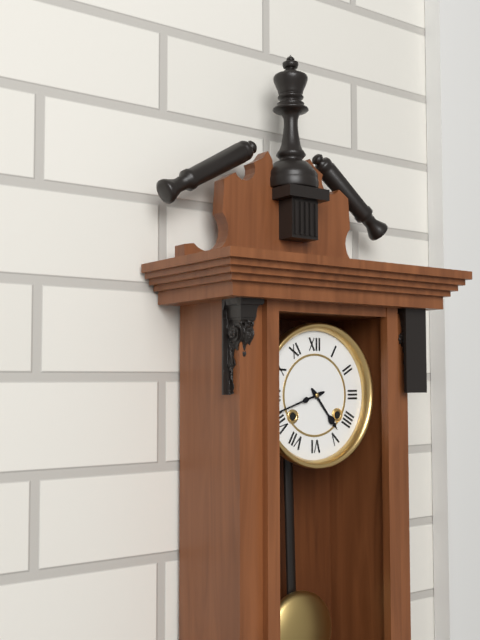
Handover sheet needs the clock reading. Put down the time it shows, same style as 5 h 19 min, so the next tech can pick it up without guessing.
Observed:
4 h 42 min
